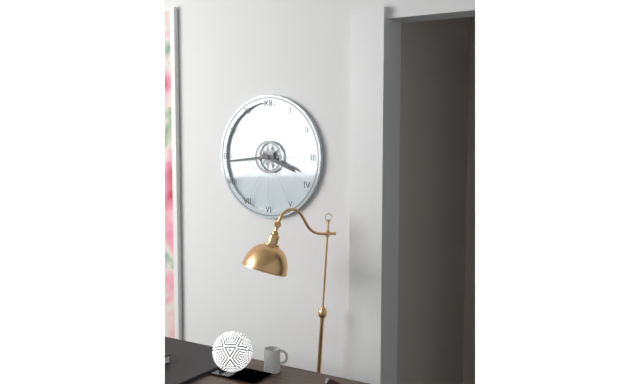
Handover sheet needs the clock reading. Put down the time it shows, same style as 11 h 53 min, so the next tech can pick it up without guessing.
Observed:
3 h 44 min
